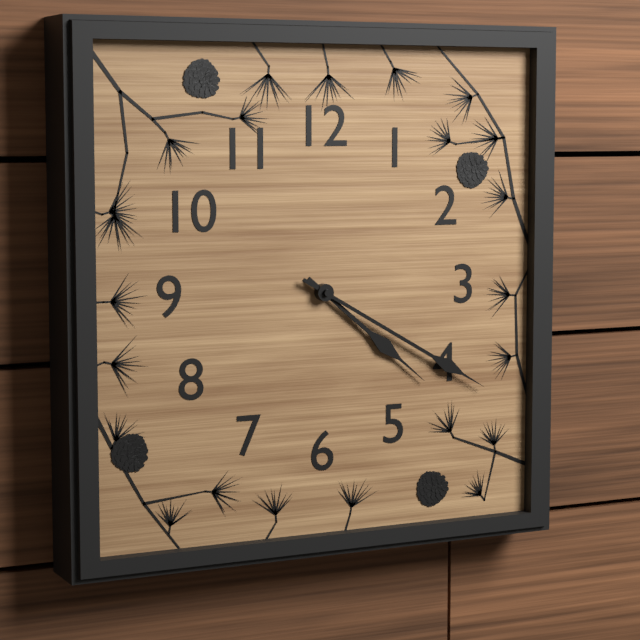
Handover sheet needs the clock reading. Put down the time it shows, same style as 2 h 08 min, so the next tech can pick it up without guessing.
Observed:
4 h 20 min
